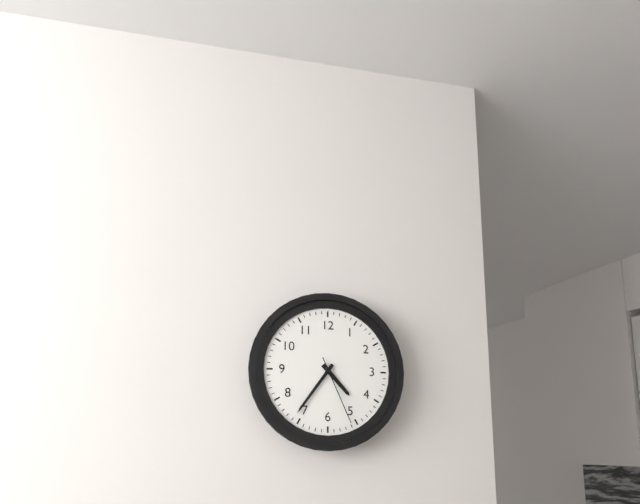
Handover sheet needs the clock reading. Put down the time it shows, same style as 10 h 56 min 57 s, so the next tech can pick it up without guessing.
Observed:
4 h 36 min 26 s
